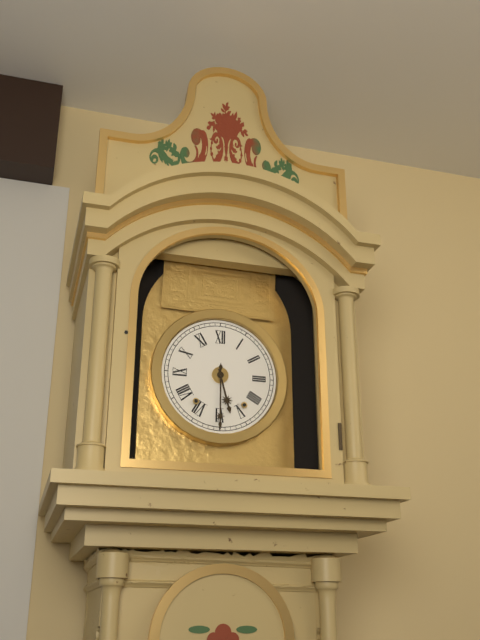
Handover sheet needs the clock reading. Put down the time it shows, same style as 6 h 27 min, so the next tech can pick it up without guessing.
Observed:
5 h 30 min
